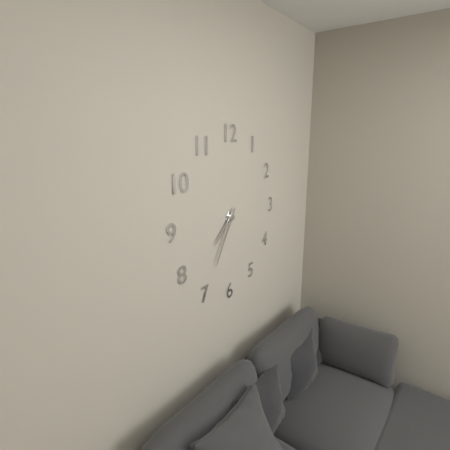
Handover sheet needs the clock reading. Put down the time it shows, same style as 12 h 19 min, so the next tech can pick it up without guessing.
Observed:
7 h 35 min
